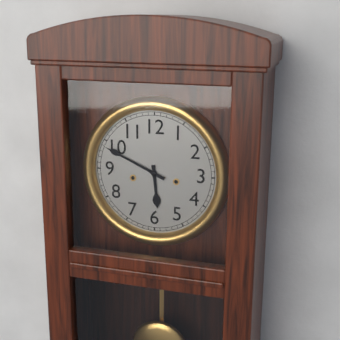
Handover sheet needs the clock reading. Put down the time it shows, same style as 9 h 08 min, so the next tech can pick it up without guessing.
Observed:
5 h 49 min
